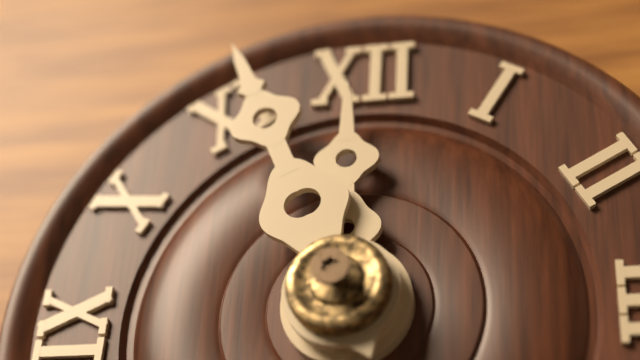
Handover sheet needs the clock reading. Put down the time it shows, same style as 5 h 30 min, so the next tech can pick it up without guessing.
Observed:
11 h 56 min
